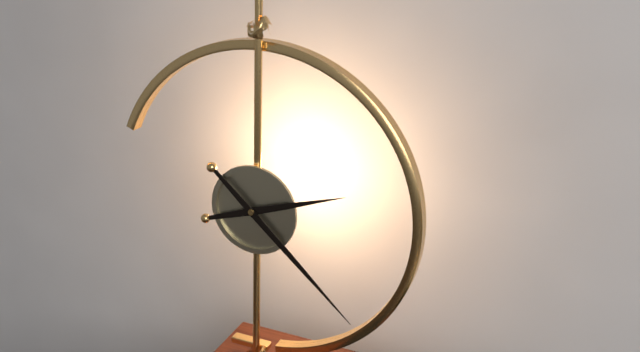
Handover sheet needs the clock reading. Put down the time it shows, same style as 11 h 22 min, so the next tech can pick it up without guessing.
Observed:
2 h 22 min
